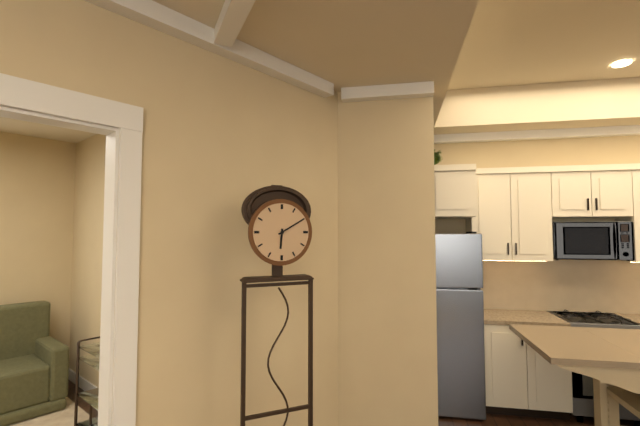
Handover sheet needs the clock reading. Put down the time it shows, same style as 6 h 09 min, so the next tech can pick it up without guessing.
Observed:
6 h 10 min
